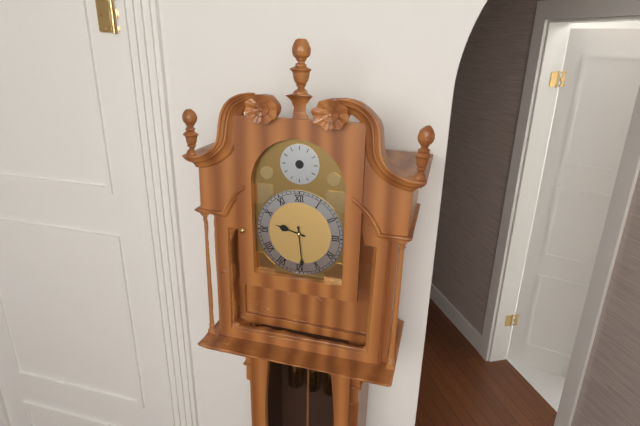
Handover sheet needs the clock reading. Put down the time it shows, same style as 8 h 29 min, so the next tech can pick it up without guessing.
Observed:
9 h 29 min
